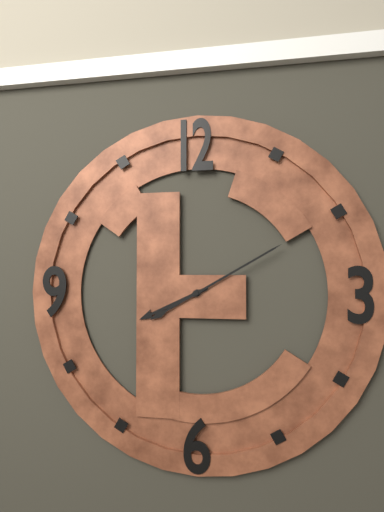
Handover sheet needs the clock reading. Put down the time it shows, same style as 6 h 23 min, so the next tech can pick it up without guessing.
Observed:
8 h 10 min
